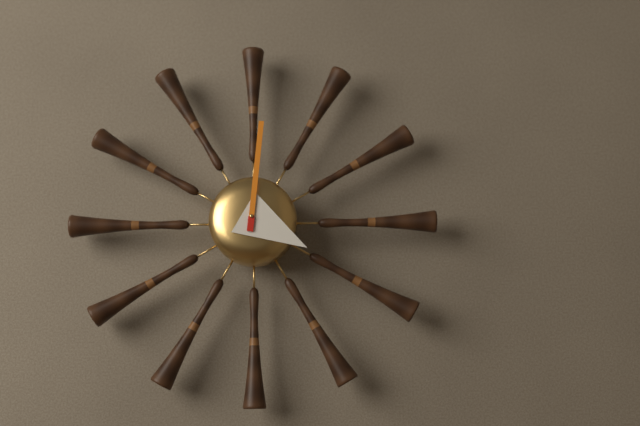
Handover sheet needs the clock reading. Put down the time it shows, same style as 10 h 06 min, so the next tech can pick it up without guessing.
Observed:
4 h 01 min
